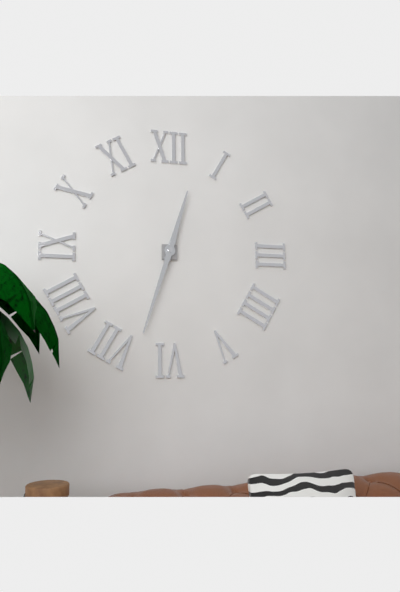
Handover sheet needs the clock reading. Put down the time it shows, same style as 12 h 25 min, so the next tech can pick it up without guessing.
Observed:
12 h 33 min
